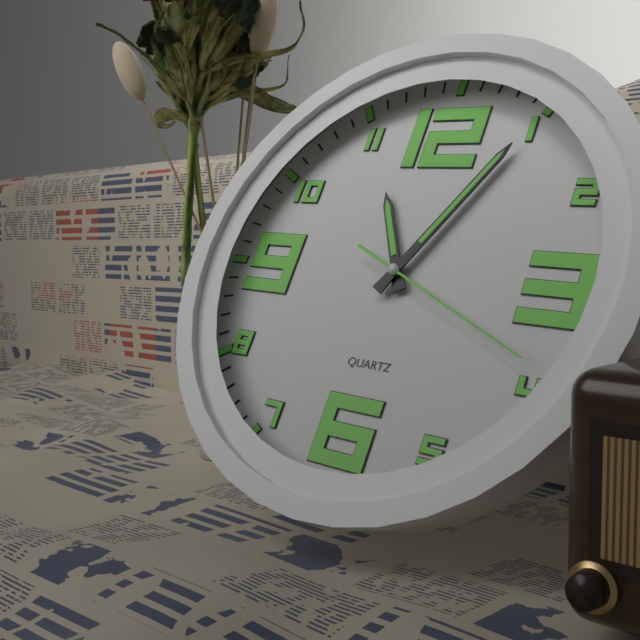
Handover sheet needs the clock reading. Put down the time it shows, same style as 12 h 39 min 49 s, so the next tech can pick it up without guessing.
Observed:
11 h 05 min 19 s
